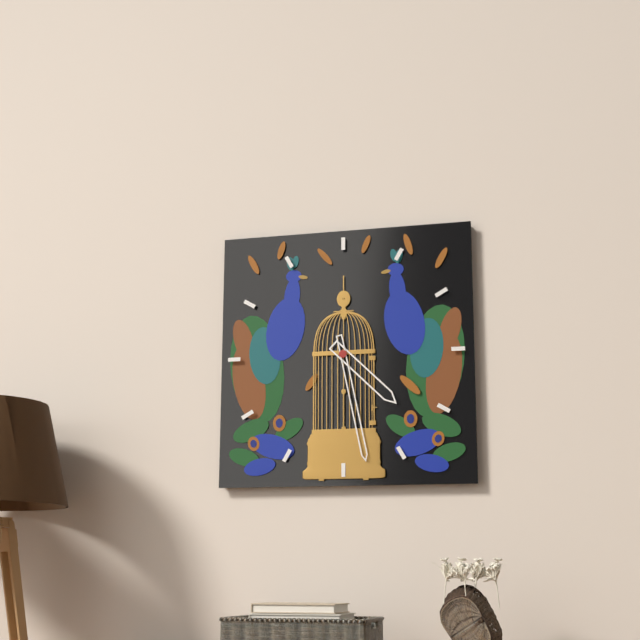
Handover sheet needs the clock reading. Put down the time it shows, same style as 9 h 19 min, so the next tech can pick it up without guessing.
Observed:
4 h 28 min
